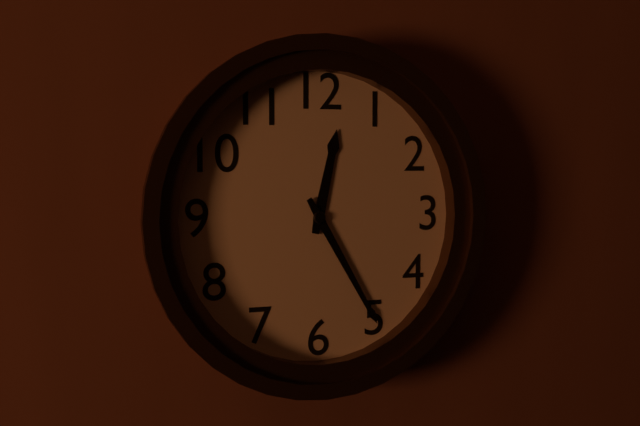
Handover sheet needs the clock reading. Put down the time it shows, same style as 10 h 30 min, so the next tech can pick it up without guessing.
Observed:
12 h 25 min
